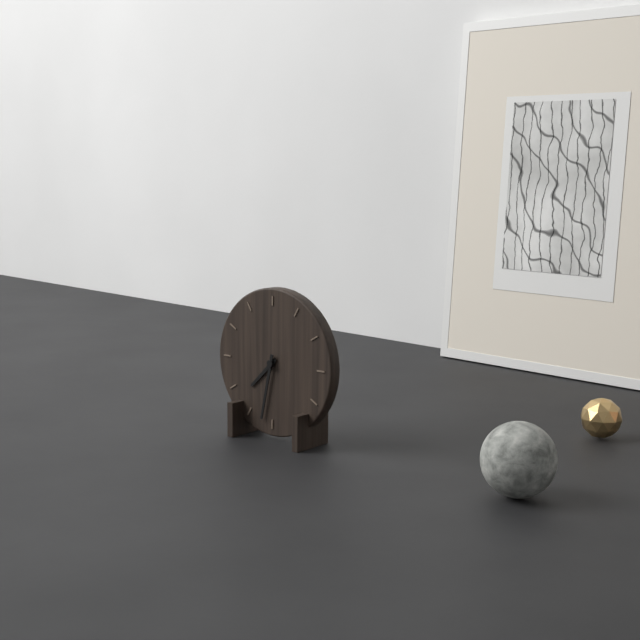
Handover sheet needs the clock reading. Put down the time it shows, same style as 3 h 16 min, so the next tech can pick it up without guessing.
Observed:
7 h 32 min
